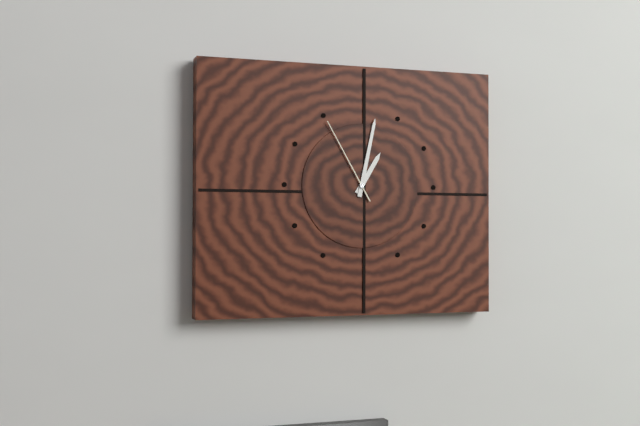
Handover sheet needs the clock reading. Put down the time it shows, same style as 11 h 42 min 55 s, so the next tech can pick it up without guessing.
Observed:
1 h 02 min 55 s
